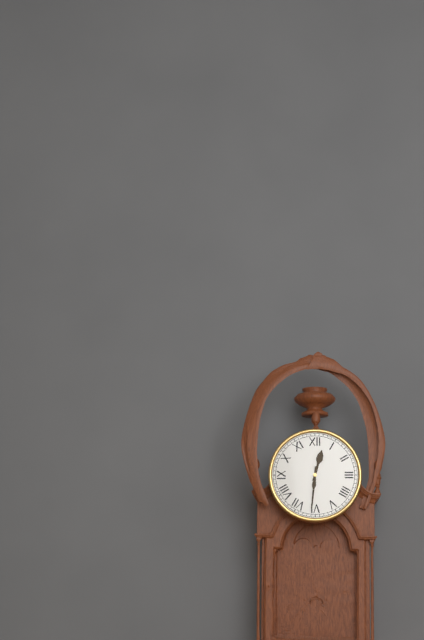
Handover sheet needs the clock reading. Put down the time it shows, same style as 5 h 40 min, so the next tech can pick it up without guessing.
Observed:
12 h 31 min
